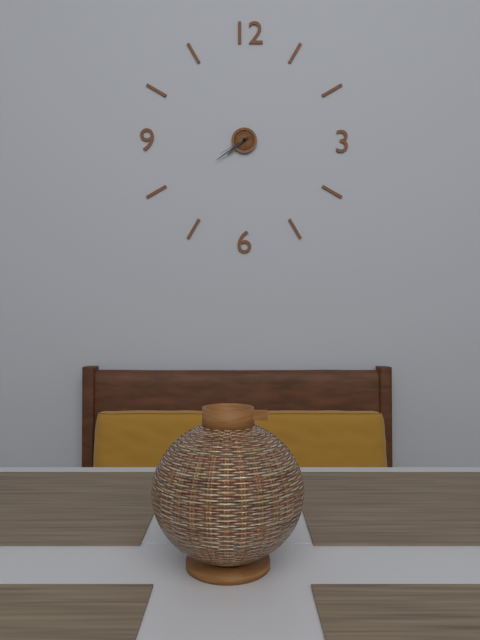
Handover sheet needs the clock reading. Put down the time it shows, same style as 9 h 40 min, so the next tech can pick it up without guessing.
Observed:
7 h 39 min
